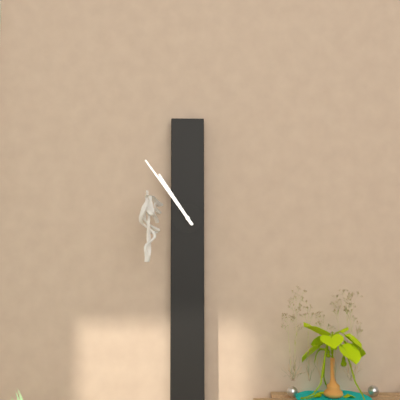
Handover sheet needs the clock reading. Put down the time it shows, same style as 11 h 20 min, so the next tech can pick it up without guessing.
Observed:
10 h 54 min
